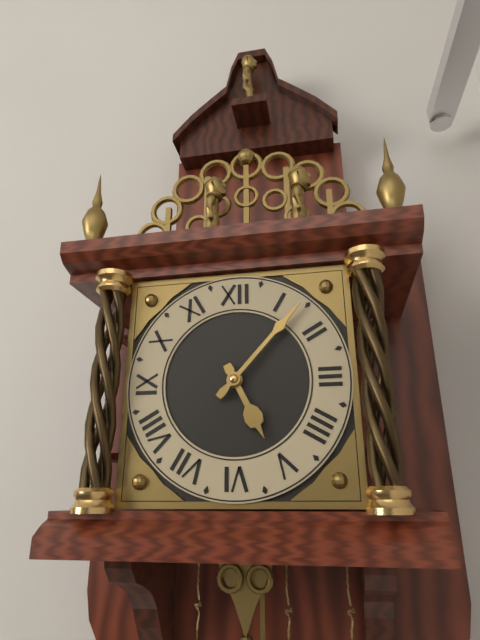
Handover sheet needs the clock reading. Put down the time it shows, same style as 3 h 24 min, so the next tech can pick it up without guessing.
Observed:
5 h 07 min
